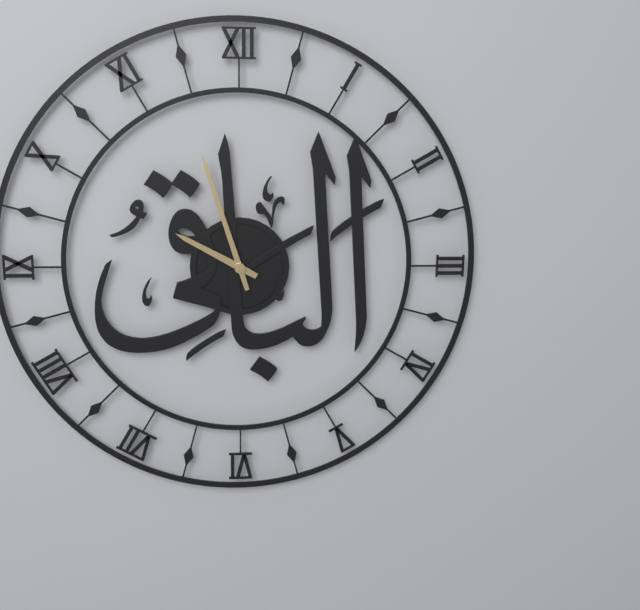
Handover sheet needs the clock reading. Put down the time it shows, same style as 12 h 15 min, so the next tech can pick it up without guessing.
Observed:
9 h 57 min
